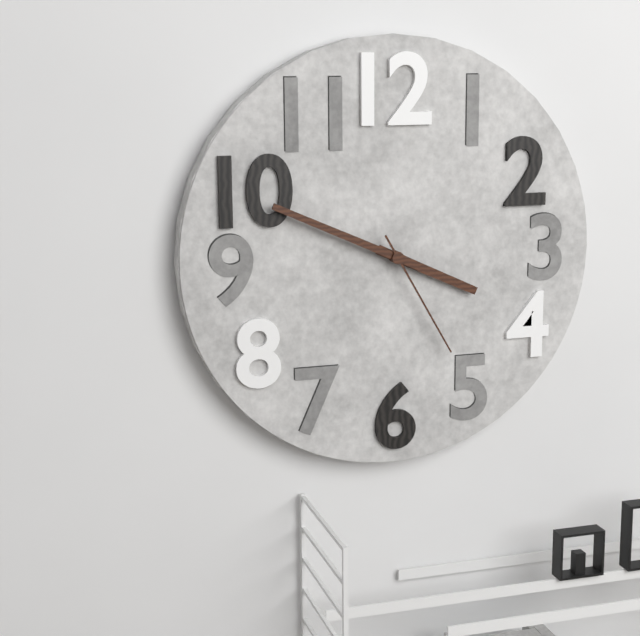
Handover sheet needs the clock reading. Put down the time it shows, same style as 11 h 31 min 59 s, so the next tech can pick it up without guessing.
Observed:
3 h 49 min 25 s
